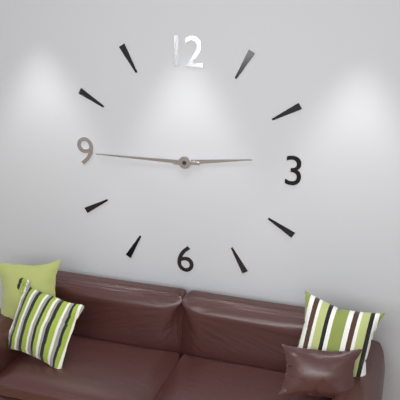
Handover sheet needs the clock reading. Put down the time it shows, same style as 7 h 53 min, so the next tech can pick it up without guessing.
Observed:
2 h 45 min
